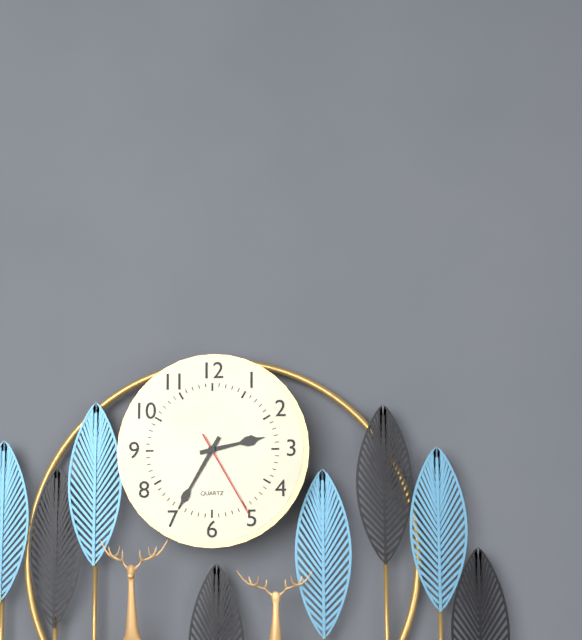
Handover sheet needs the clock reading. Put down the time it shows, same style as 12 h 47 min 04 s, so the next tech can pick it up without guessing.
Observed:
2 h 35 min 25 s
